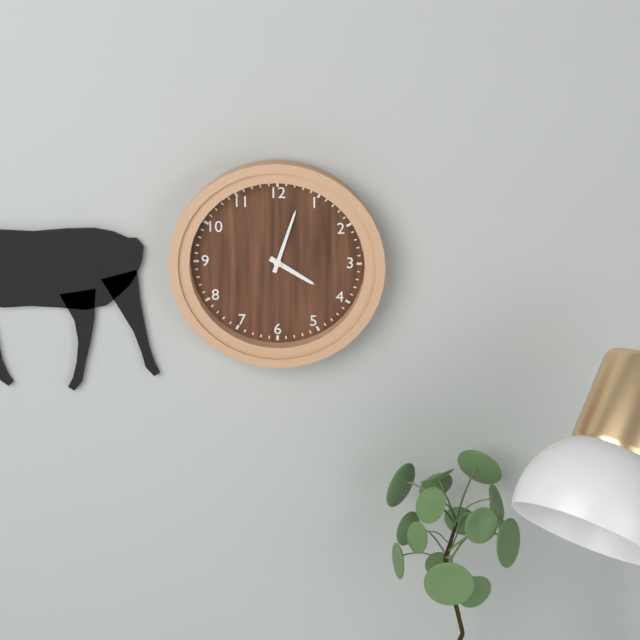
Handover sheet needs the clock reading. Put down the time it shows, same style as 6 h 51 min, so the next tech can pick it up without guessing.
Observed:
4 h 03 min
